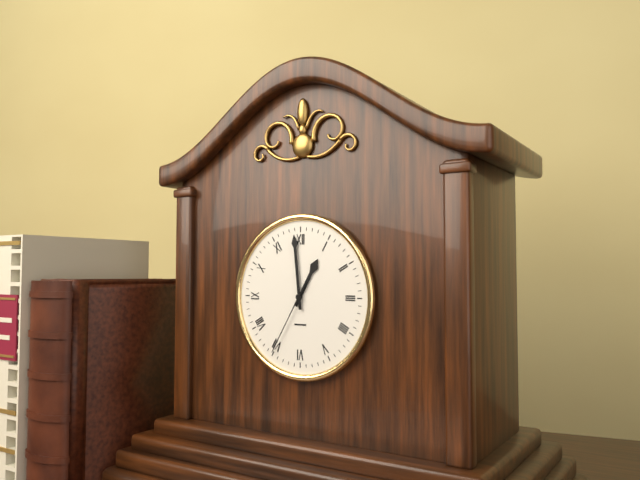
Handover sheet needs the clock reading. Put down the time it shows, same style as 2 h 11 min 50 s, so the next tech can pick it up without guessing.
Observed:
12 h 59 min 35 s
